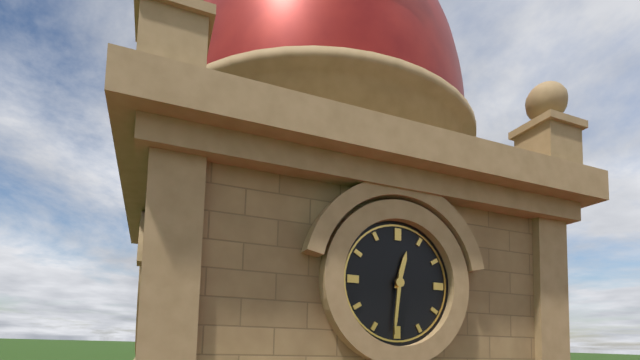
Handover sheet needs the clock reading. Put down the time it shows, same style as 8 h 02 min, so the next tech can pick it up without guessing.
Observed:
12 h 31 min
